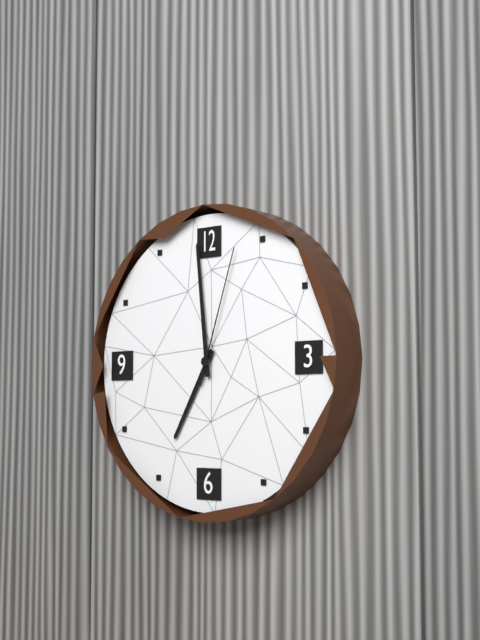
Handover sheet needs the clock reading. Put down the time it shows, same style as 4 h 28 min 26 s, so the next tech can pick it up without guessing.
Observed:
6 h 59 min 03 s
